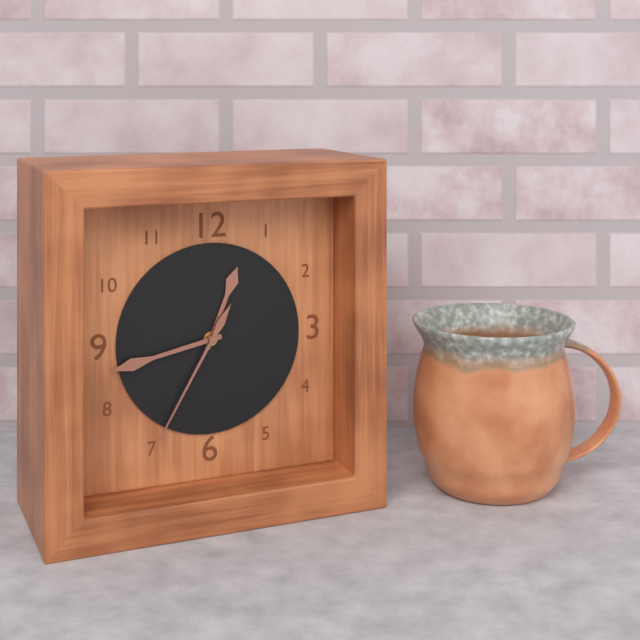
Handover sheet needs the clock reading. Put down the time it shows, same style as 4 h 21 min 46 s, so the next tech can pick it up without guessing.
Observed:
12 h 43 min 35 s
